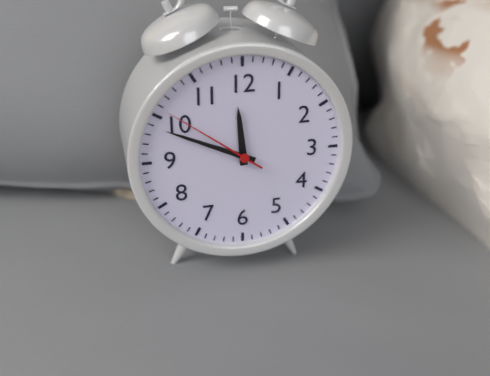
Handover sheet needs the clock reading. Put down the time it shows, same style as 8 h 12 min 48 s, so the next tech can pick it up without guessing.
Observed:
11 h 49 min 51 s
